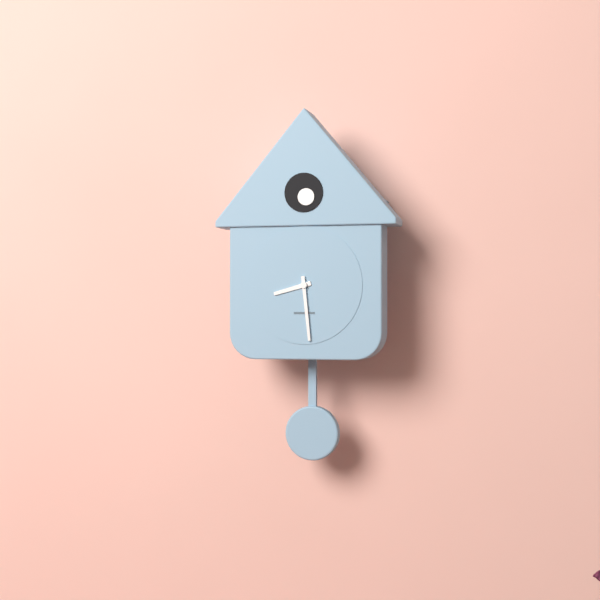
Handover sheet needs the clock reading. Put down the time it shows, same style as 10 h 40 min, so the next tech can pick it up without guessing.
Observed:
8 h 29 min
